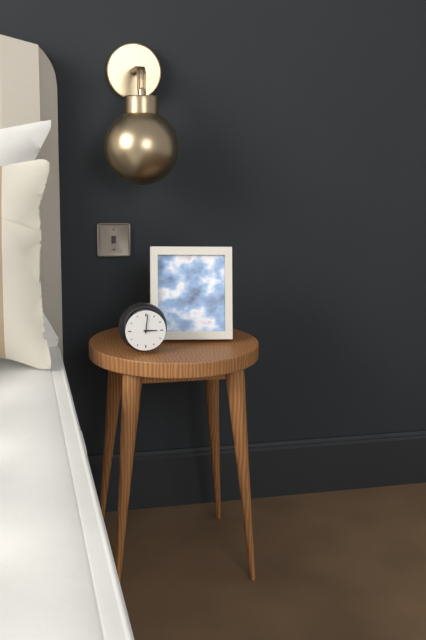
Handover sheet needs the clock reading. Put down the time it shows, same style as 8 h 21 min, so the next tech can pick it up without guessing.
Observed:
3 h 01 min
